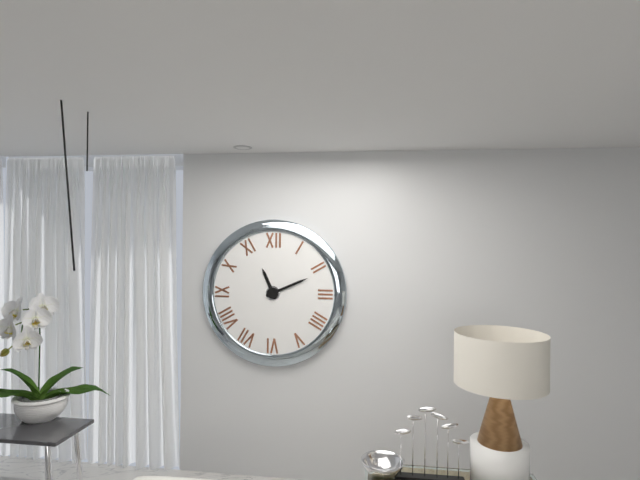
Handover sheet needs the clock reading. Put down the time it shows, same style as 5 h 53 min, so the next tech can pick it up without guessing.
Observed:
11 h 11 min
